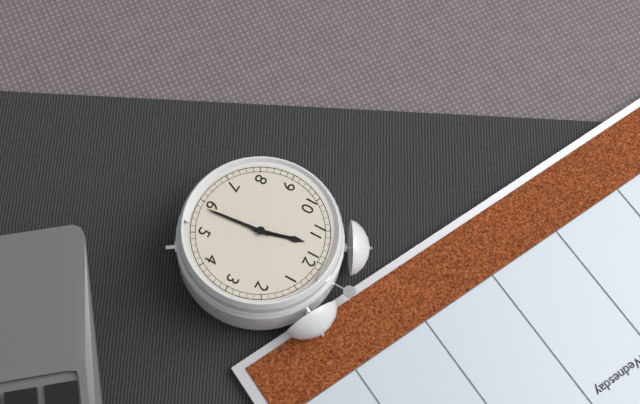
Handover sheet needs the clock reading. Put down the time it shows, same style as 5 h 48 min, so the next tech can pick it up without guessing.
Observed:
11 h 29 min
